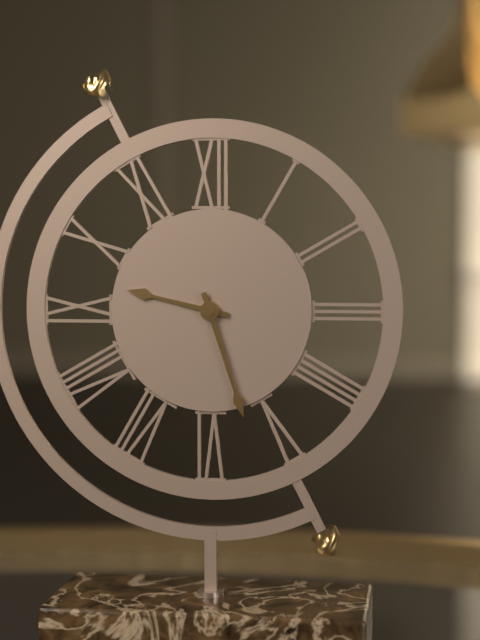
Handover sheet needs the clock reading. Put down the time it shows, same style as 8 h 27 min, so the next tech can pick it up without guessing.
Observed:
9 h 27 min
